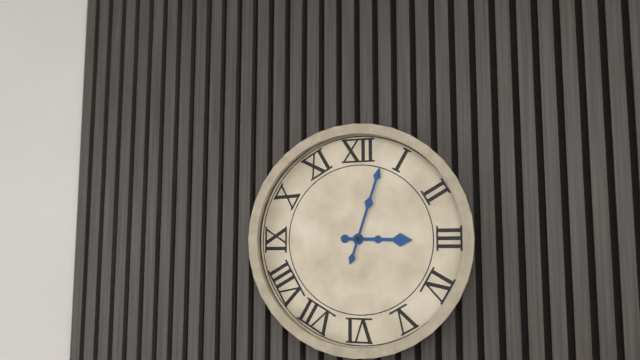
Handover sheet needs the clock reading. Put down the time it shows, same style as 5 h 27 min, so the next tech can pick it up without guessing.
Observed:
3 h 03 min
